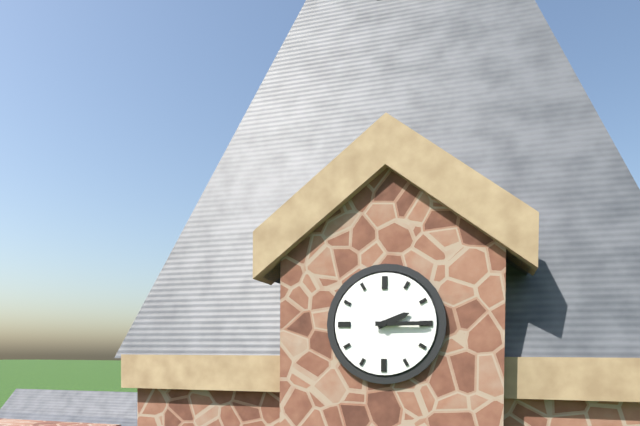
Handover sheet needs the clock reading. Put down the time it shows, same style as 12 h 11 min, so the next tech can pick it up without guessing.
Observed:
2 h 15 min
